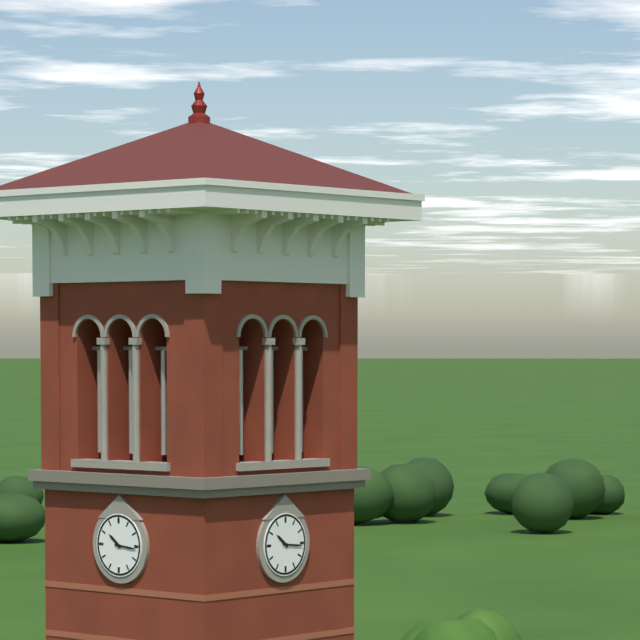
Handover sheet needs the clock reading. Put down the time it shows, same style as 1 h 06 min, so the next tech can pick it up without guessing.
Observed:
10 h 16 min
